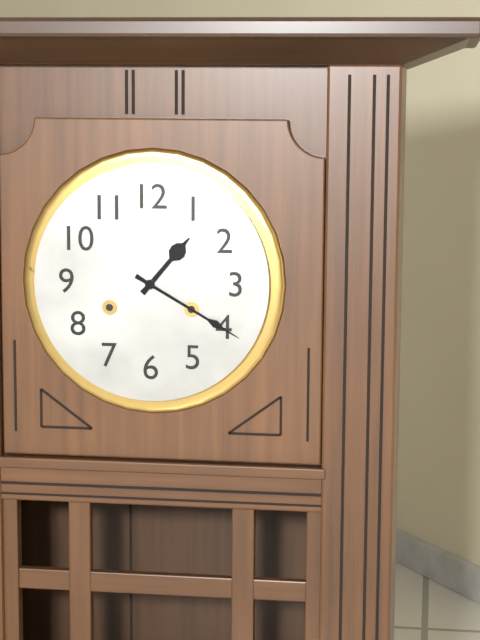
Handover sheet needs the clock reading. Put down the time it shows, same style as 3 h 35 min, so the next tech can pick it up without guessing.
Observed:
1 h 20 min
